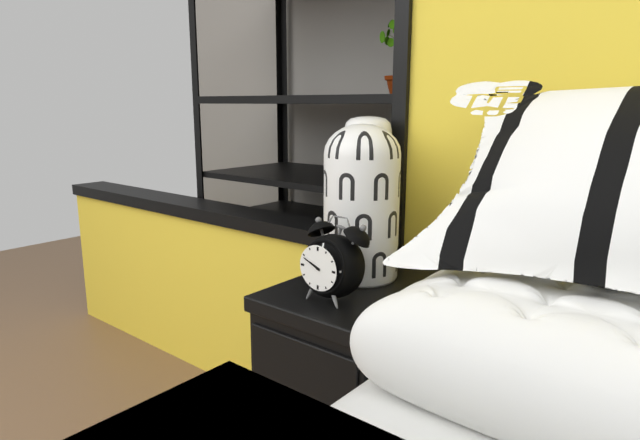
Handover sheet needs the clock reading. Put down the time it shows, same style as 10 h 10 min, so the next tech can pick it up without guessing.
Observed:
9 h 49 min
